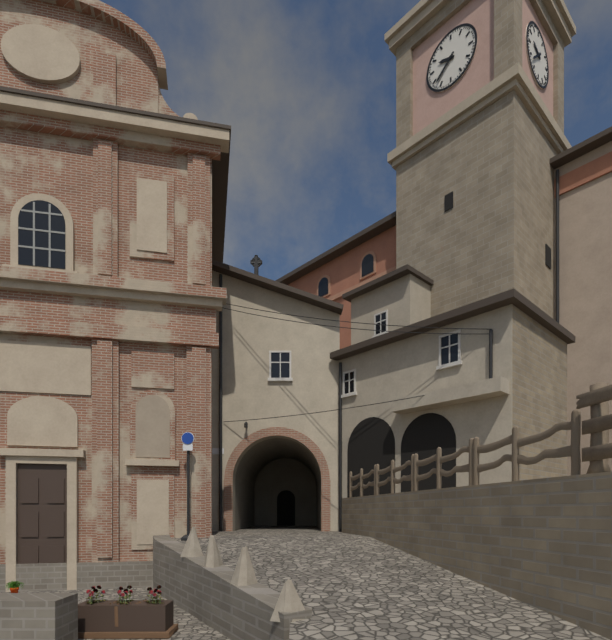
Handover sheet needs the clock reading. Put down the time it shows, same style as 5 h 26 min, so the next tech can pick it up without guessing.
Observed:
9 h 38 min
